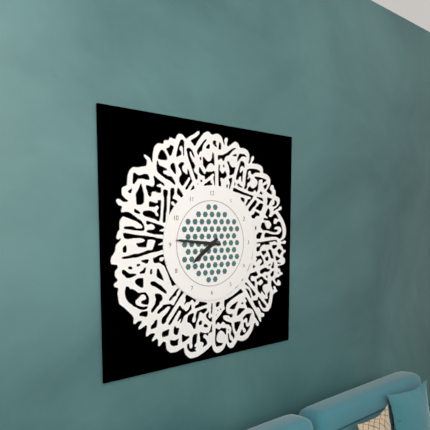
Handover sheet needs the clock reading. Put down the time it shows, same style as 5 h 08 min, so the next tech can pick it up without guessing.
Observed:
7 h 46 min
